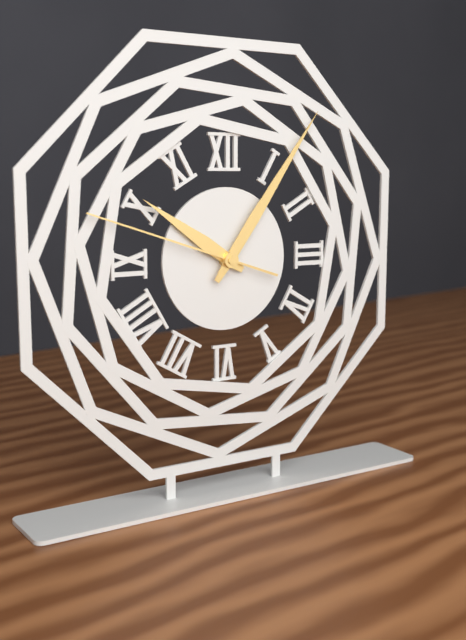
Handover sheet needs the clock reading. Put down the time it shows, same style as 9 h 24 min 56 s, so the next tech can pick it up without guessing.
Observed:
10 h 06 min 48 s
